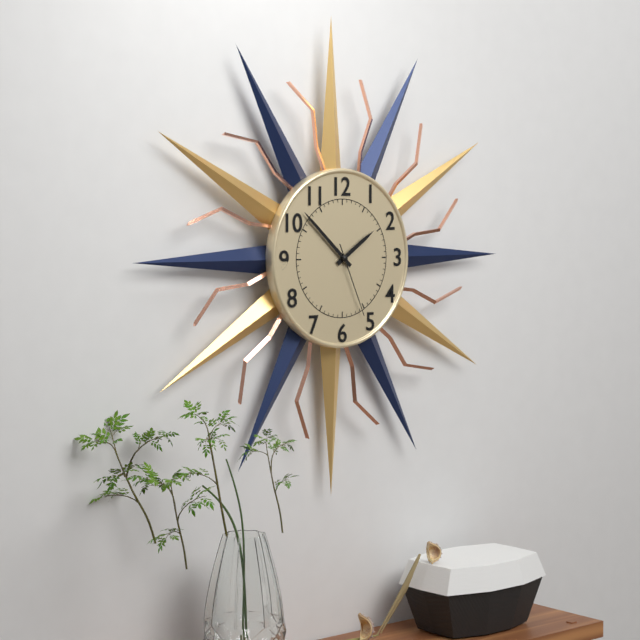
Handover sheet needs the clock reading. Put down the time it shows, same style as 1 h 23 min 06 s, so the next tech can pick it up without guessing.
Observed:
1 h 52 min 26 s
